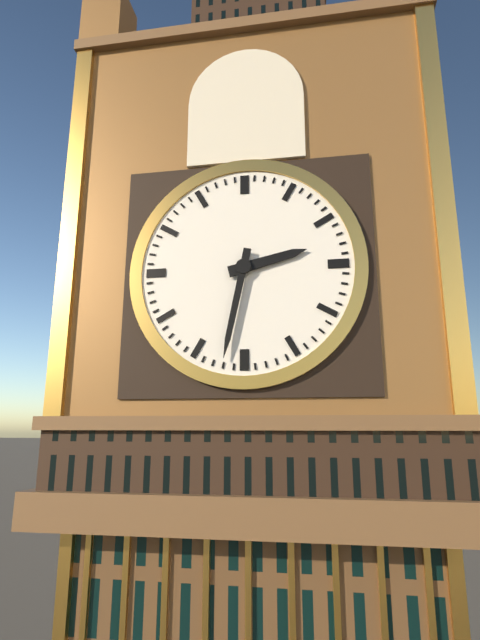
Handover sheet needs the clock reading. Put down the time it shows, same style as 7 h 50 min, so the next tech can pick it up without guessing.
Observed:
2 h 32 min
